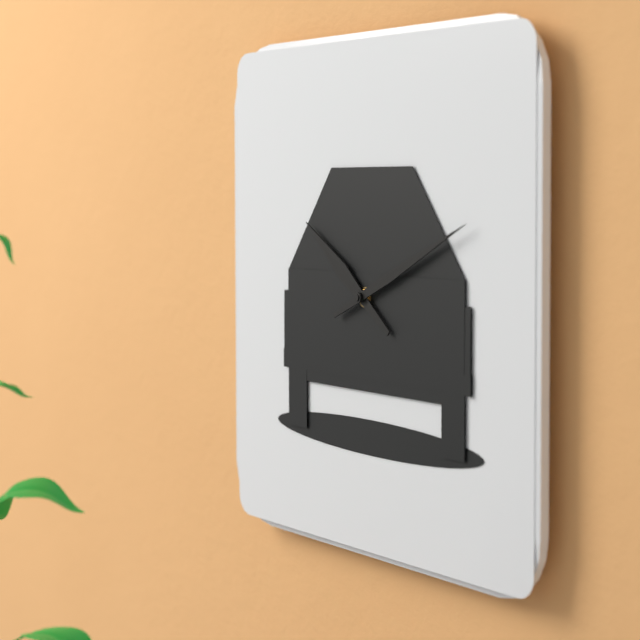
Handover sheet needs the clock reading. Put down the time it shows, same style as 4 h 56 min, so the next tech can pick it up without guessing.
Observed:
10 h 11 min
